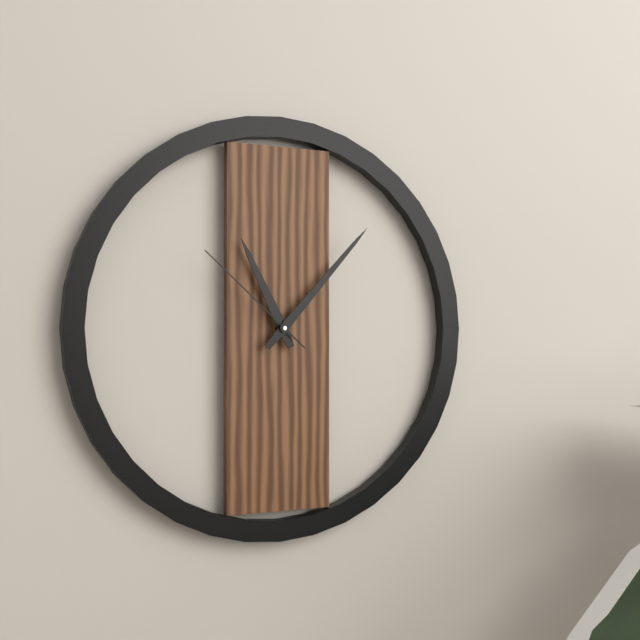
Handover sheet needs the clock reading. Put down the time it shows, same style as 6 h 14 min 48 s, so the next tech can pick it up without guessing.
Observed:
11 h 07 min 52 s
